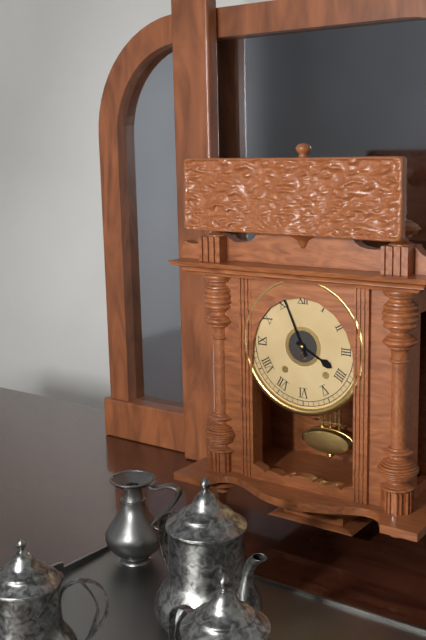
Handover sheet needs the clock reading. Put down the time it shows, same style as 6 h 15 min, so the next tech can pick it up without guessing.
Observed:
3 h 56 min
